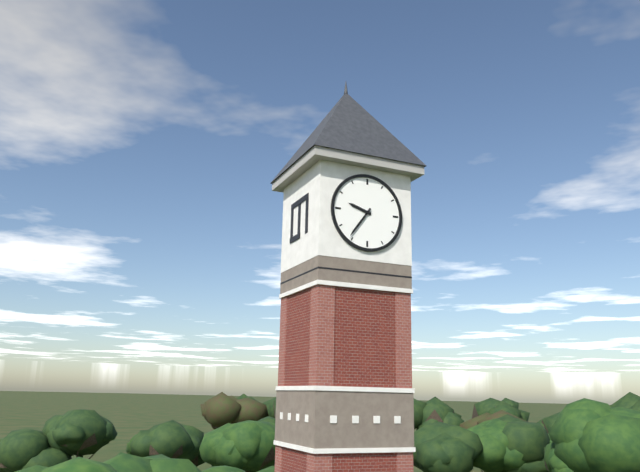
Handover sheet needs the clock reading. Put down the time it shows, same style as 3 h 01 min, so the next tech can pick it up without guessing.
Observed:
9 h 36 min
